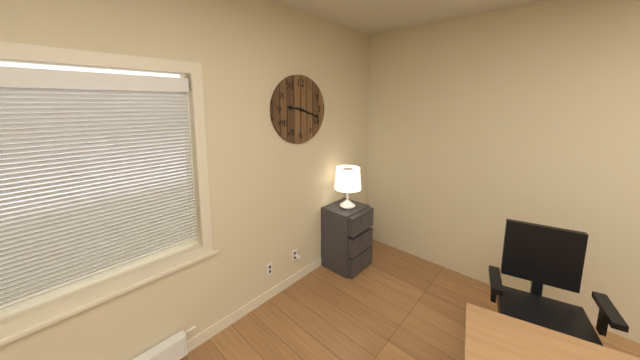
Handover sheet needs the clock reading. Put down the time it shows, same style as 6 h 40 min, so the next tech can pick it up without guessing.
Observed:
9 h 18 min
